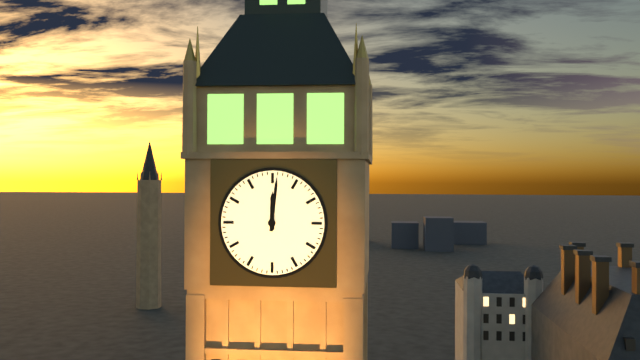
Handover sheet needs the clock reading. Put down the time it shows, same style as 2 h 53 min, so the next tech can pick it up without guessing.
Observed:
12 h 01 min
